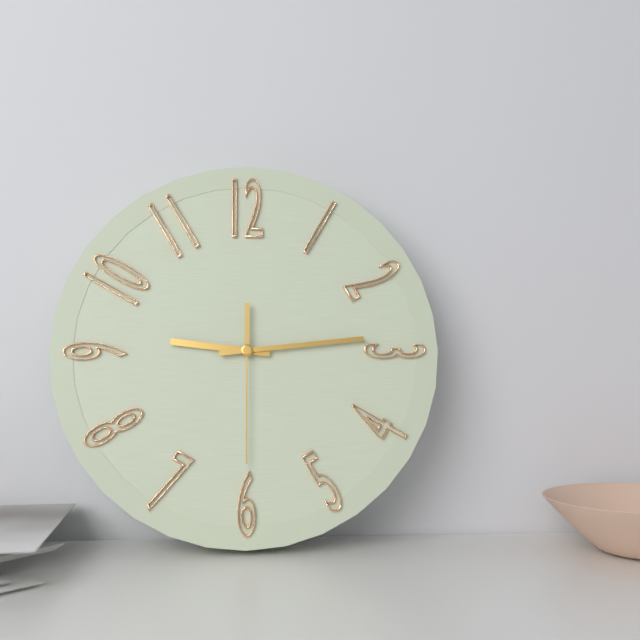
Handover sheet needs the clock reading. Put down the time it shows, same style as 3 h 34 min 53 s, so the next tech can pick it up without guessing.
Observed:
9 h 14 min 30 s
